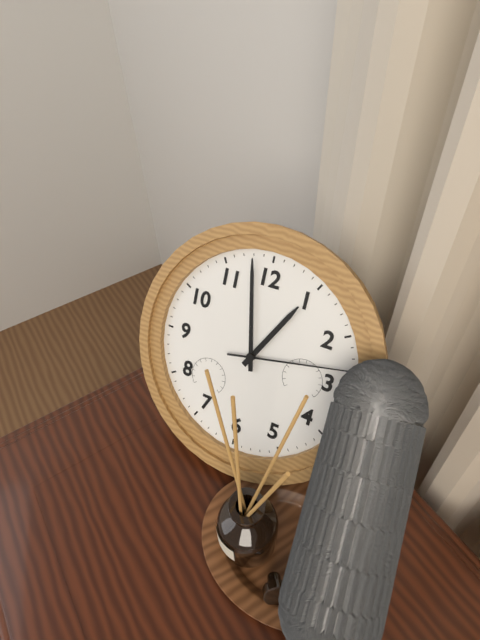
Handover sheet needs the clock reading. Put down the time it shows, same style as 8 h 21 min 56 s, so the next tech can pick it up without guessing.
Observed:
12 h 58 min 13 s
